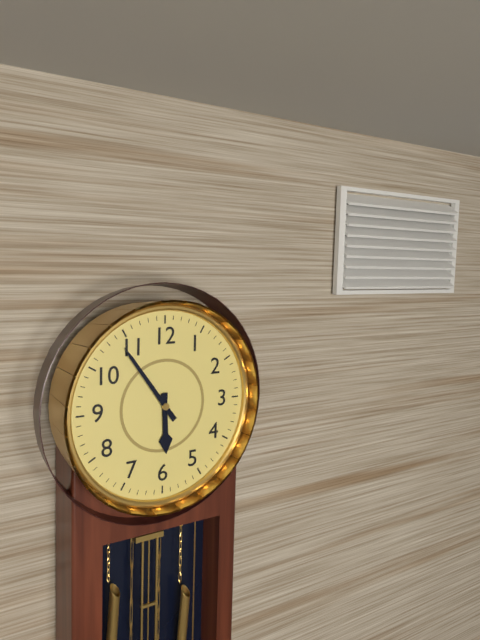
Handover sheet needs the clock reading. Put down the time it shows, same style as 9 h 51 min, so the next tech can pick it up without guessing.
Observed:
5 h 54 min
